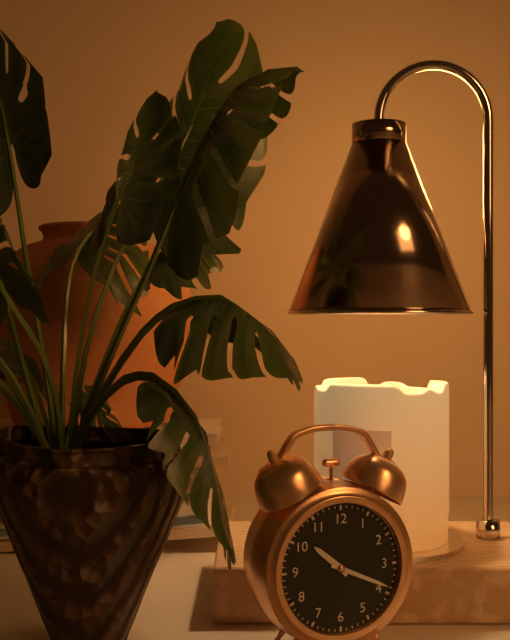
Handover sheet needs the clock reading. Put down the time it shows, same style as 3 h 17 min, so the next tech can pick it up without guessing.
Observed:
10 h 19 min
